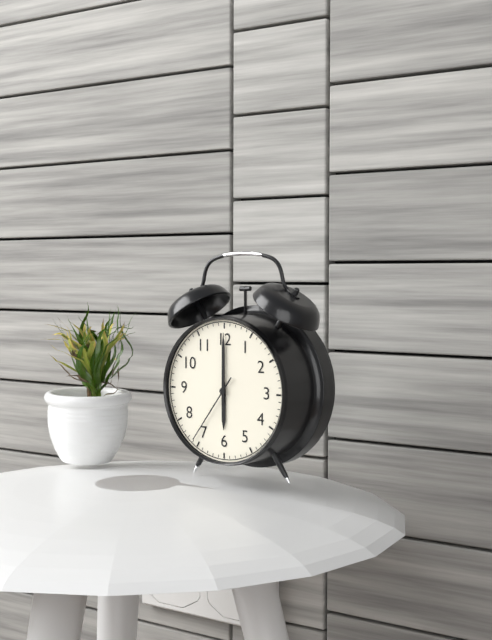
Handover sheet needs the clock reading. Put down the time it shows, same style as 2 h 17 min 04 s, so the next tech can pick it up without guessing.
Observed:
6 h 00 min 36 s
